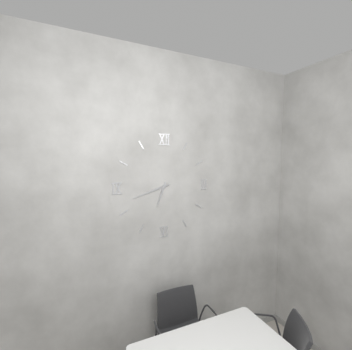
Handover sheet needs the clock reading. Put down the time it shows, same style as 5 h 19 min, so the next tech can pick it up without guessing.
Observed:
6 h 42 min
